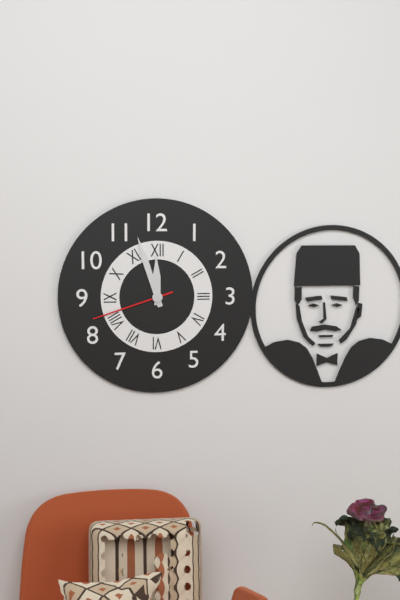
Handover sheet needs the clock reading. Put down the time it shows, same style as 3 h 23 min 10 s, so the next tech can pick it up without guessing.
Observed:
11 h 57 min 42 s
